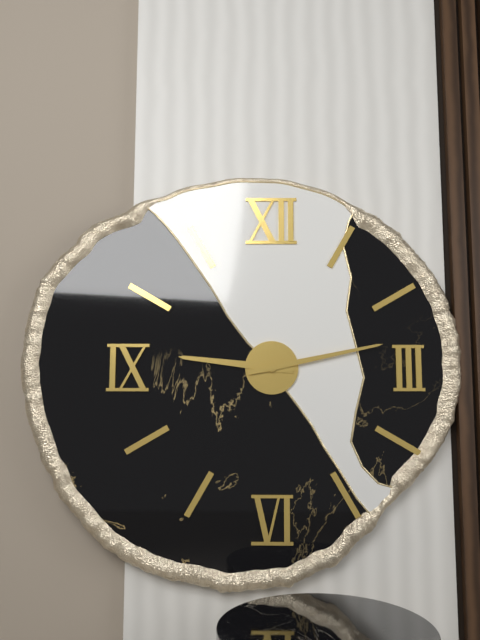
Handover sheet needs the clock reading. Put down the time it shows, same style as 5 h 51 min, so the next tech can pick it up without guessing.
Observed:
9 h 13 min
